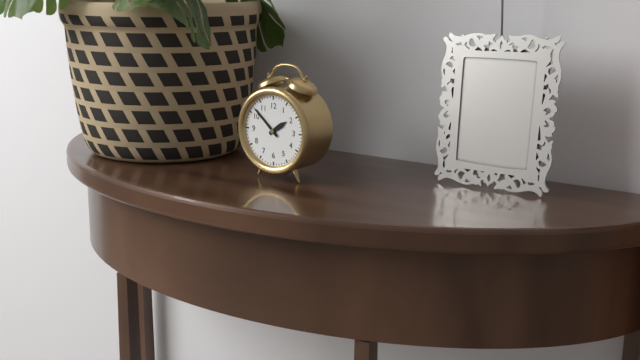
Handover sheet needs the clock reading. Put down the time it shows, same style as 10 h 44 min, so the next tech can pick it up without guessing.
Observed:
1 h 52 min
